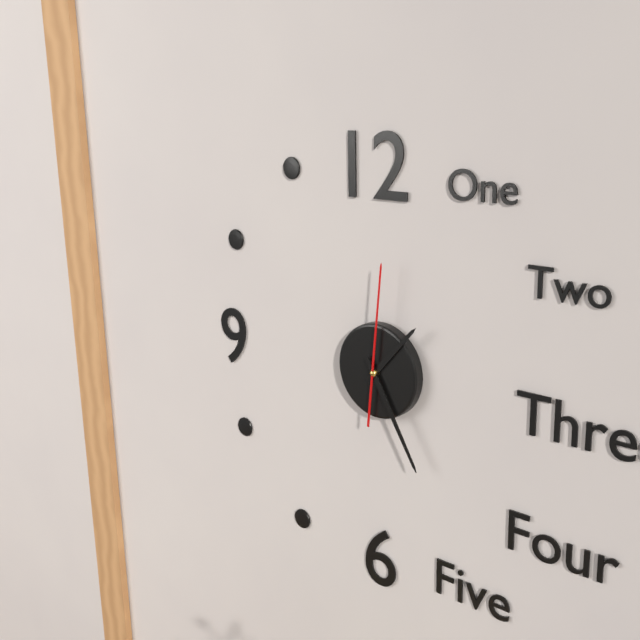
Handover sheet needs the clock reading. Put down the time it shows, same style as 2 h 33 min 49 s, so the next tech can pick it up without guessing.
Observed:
1 h 25 min 01 s
